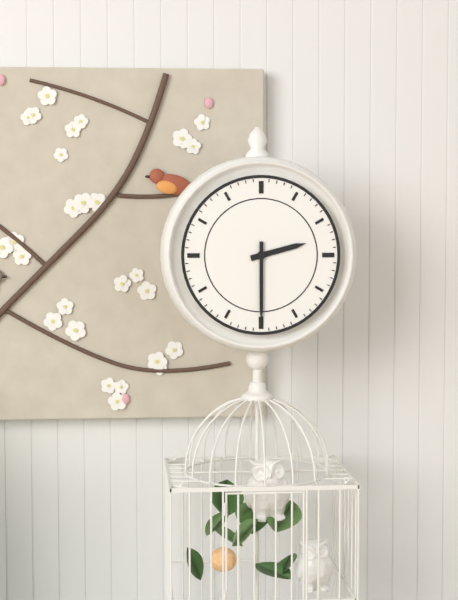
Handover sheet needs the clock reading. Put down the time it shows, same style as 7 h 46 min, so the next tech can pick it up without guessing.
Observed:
2 h 30 min
